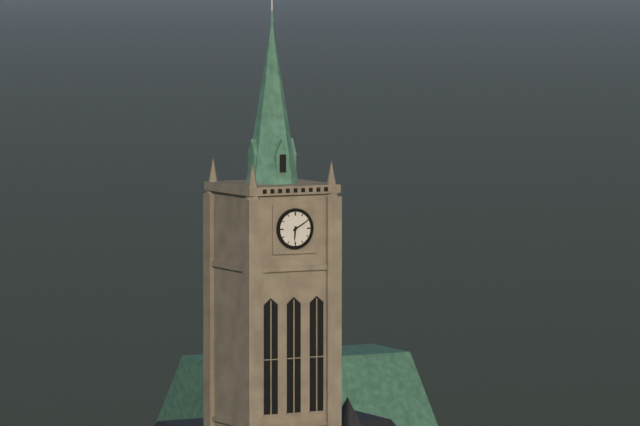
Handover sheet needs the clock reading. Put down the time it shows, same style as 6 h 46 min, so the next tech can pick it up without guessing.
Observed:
6 h 10 min
